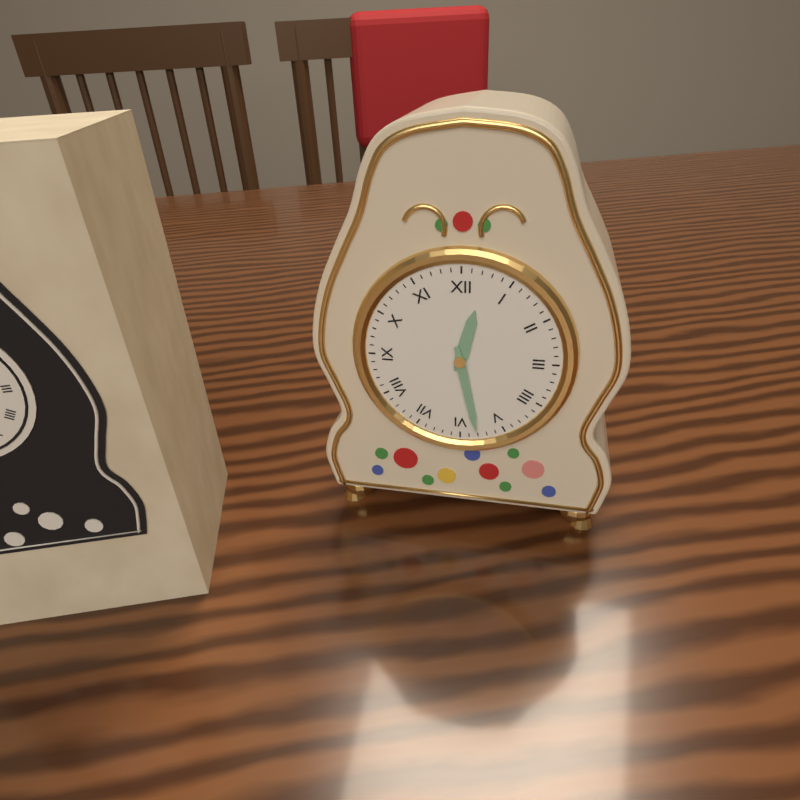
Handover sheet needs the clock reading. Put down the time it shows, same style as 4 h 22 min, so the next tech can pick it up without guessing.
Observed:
12 h 28 min
